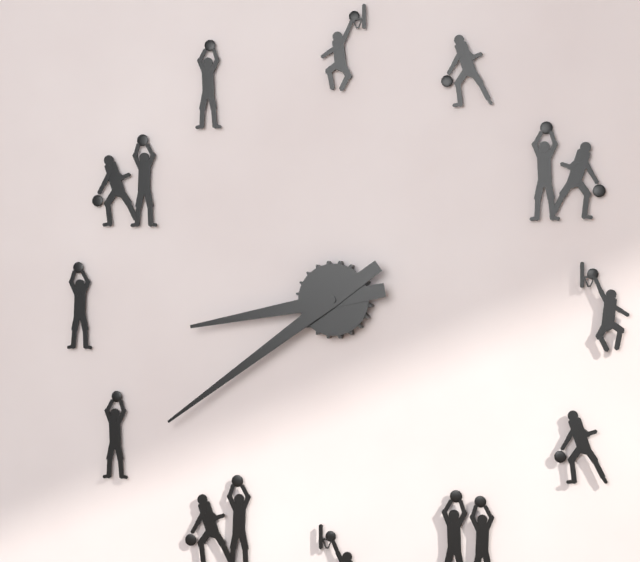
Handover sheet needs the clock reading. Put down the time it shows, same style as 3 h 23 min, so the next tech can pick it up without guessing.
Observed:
8 h 39 min
